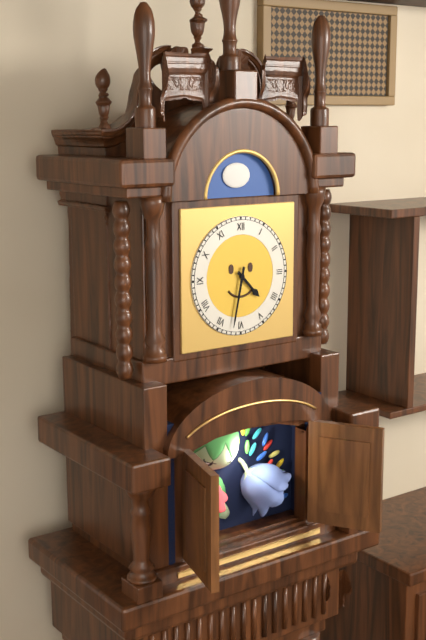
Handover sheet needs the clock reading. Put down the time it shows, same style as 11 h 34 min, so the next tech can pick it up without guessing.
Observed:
4 h 32 min
